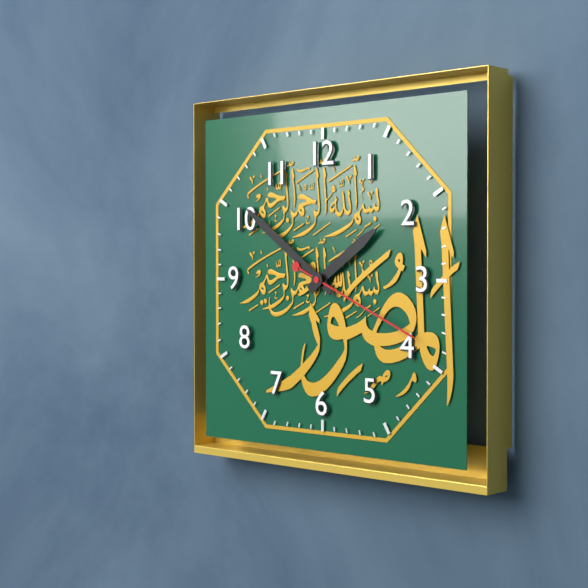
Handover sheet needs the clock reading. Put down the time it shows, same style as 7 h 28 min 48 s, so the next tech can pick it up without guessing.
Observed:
1 h 51 min 19 s
